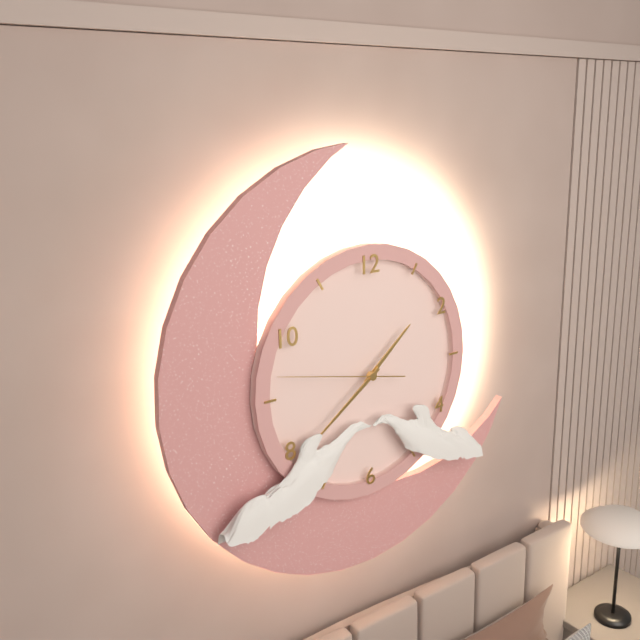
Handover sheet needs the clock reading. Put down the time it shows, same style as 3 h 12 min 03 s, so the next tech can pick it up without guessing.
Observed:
1 h 39 min 47 s
